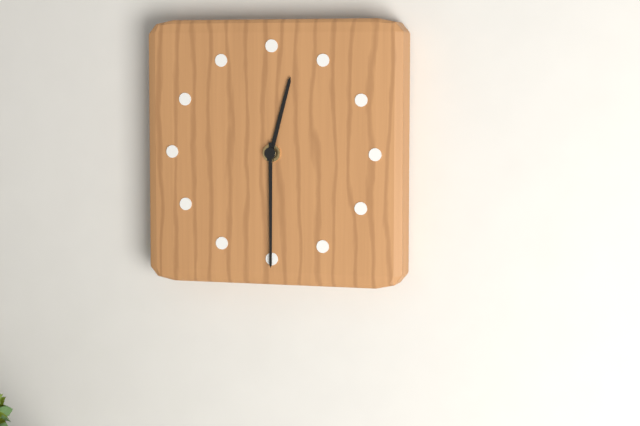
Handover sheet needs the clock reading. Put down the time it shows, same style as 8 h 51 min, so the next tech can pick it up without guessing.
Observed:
12 h 30 min
